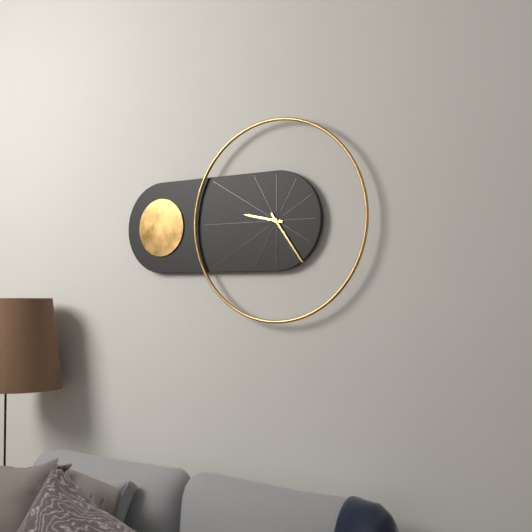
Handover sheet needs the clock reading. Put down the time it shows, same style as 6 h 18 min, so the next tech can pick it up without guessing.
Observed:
9 h 24 min
